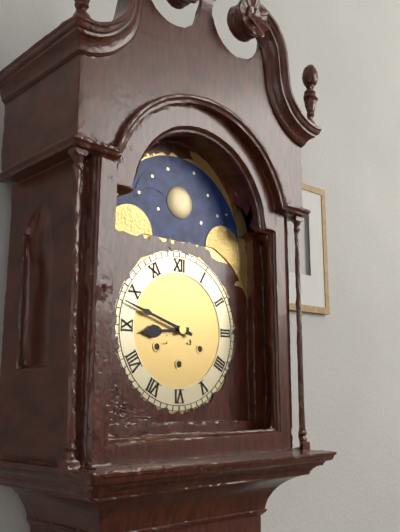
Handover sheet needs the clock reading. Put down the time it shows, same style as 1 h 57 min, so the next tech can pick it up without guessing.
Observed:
8 h 48 min
